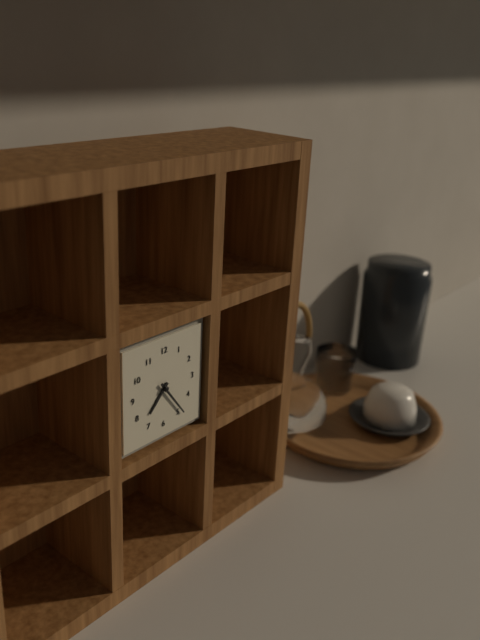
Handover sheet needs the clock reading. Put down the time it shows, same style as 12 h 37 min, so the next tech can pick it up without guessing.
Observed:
7 h 24 min
